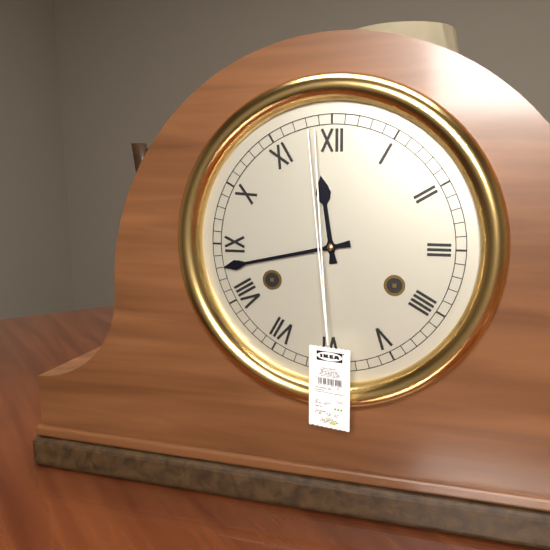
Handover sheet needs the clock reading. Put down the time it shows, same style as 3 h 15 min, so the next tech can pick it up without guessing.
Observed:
11 h 43 min
